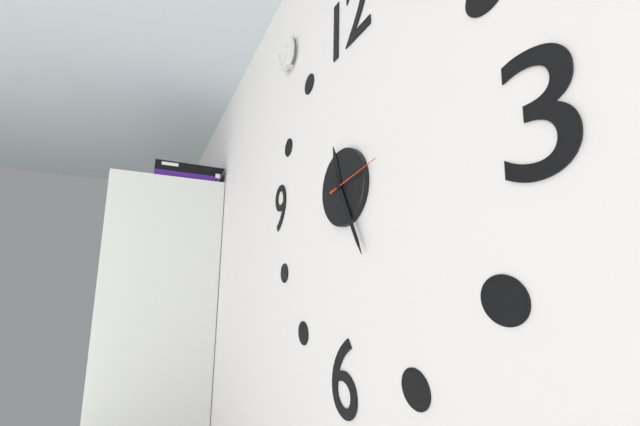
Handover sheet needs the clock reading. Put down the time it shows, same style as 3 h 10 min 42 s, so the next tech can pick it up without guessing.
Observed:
11 h 25 min 13 s
